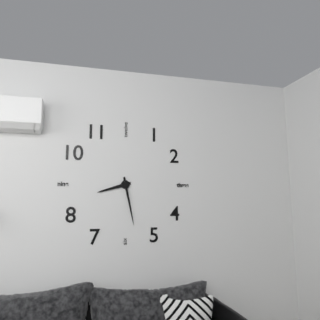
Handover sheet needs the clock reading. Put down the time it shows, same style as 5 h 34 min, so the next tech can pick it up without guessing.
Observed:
8 h 28 min
